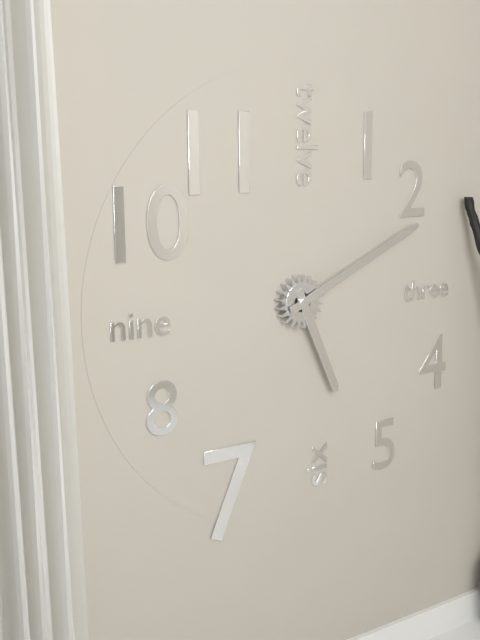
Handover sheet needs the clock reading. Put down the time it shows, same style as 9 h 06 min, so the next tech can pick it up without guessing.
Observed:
5 h 11 min
